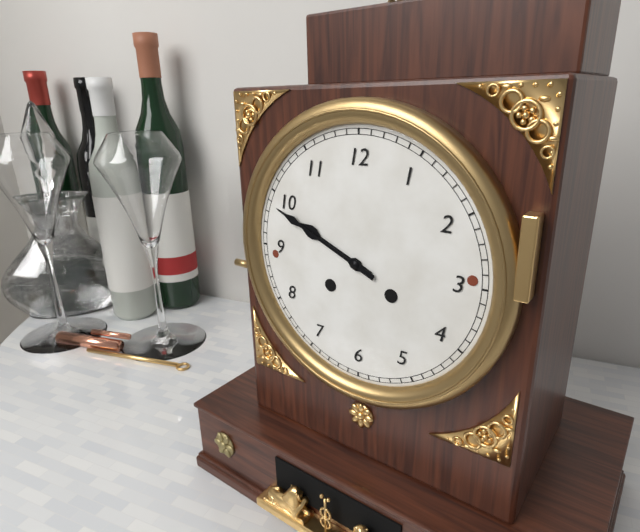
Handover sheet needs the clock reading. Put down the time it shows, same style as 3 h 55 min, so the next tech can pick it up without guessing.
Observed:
9 h 49 min
